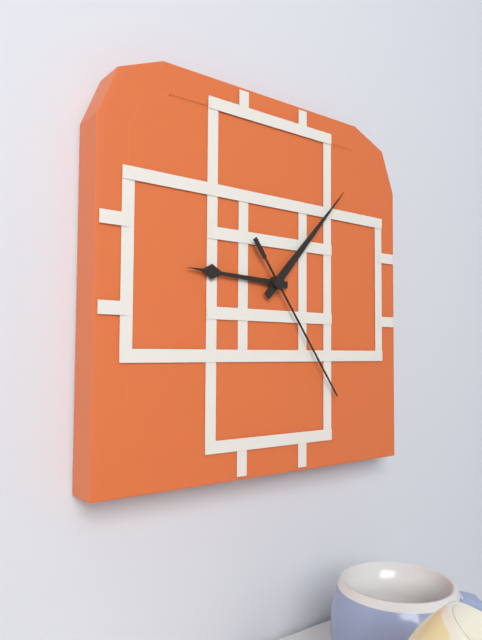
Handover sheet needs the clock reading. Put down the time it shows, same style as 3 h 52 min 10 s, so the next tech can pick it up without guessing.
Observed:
9 h 07 min 24 s
